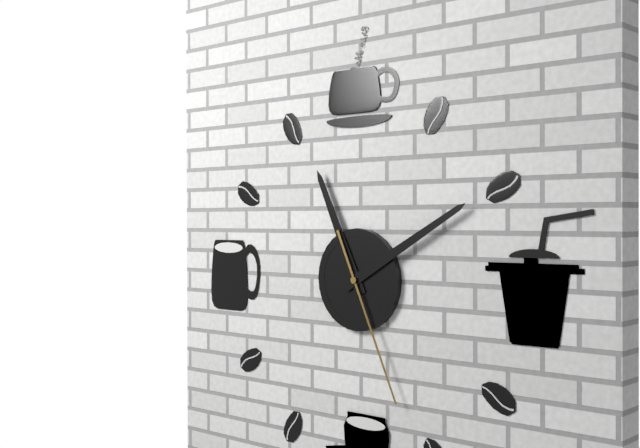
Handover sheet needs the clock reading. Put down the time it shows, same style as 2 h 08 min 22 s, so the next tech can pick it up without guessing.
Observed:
11 h 10 min 26 s
